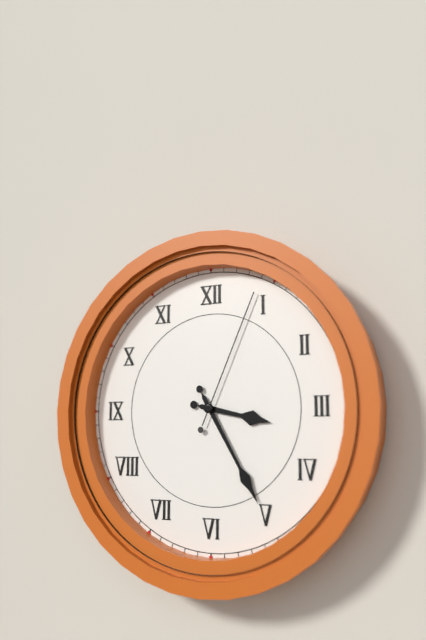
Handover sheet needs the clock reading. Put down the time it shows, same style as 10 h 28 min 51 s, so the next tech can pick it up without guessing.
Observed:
3 h 25 min 04 s
